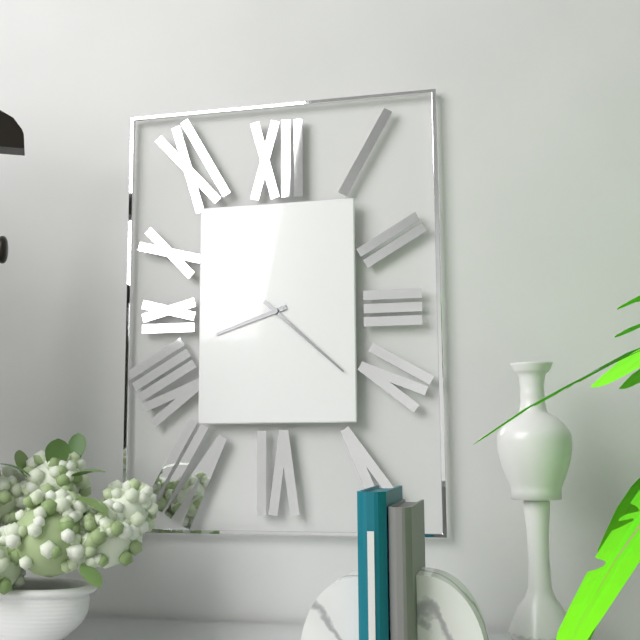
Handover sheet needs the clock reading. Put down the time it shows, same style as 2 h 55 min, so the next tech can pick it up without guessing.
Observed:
8 h 22 min
